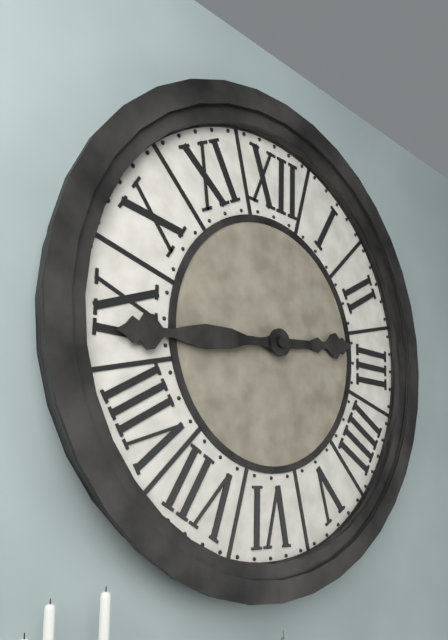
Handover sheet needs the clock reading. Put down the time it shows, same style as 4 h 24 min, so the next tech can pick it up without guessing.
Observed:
2 h 44 min
